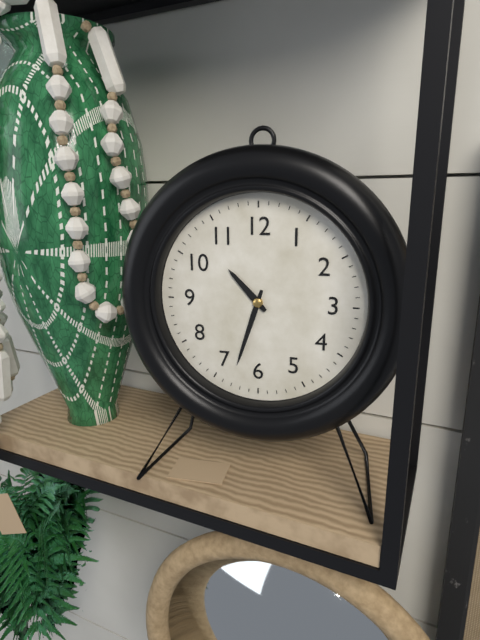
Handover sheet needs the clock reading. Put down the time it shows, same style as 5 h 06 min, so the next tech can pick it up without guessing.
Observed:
10 h 33 min
